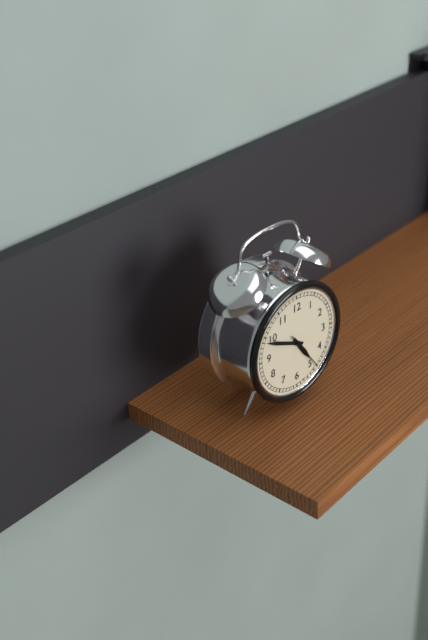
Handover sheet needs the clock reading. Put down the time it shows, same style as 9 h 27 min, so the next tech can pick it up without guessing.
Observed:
4 h 49 min
